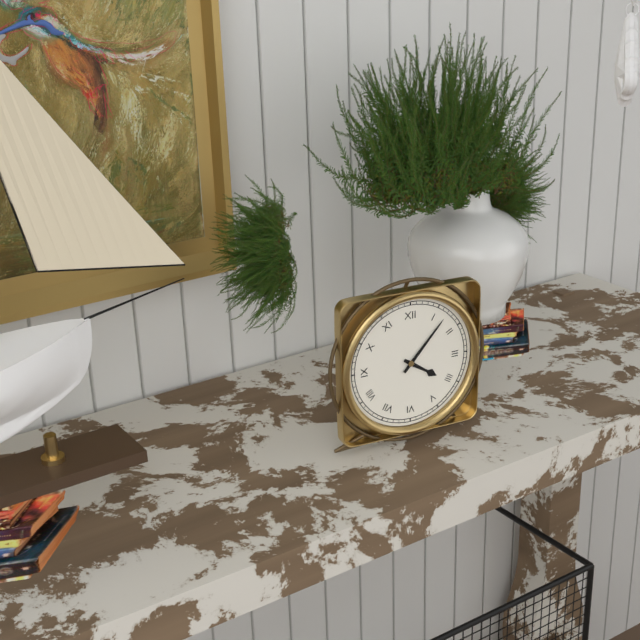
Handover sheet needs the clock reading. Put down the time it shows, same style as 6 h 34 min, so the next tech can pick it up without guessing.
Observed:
4 h 07 min
